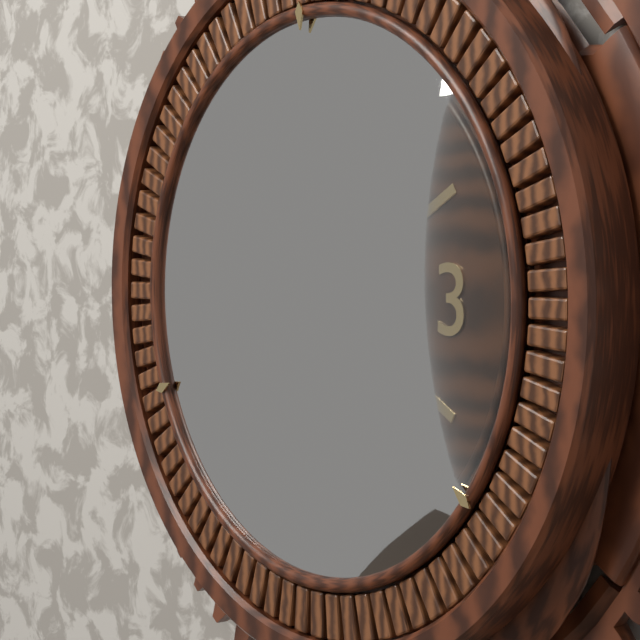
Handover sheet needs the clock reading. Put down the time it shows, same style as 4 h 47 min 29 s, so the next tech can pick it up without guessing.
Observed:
1 h 44 min 32 s
